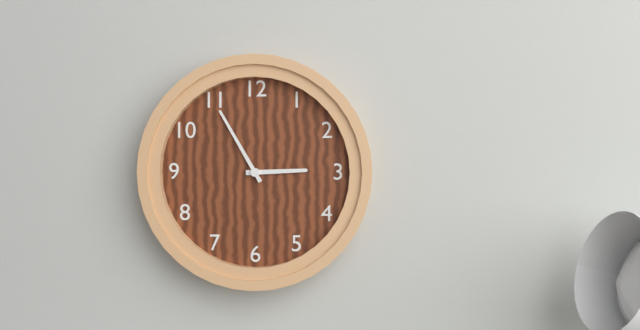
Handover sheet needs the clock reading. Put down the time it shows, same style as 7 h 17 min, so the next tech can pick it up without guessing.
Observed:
2 h 55 min
